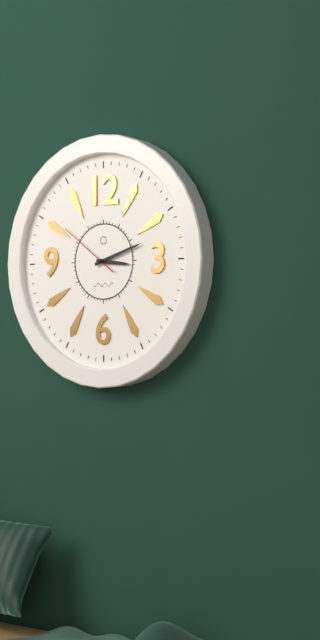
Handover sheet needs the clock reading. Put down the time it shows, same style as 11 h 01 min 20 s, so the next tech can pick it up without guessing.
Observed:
3 h 12 min 51 s
